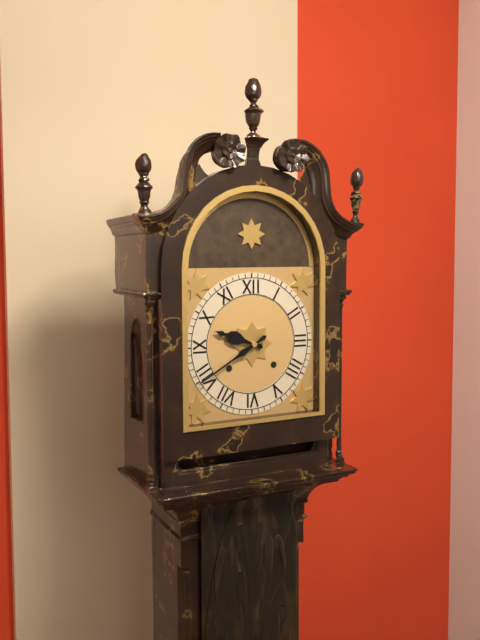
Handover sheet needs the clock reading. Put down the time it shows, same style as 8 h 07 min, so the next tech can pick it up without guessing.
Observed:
9 h 40 min
